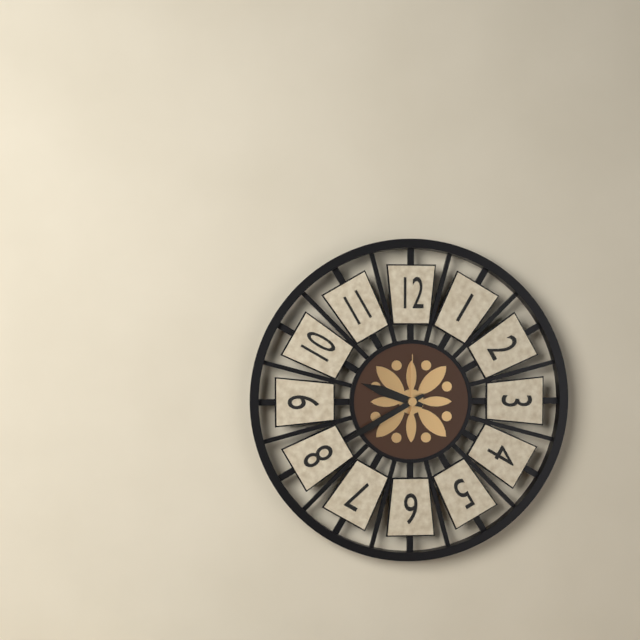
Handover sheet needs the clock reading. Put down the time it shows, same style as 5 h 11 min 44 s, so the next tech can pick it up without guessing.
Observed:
9 h 40 min 00 s
